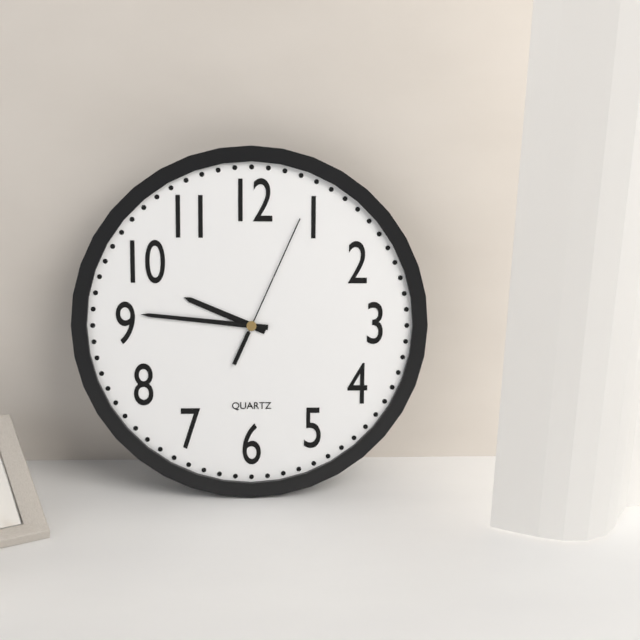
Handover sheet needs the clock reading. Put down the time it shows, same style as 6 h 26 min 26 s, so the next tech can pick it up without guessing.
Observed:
9 h 46 min 04 s
